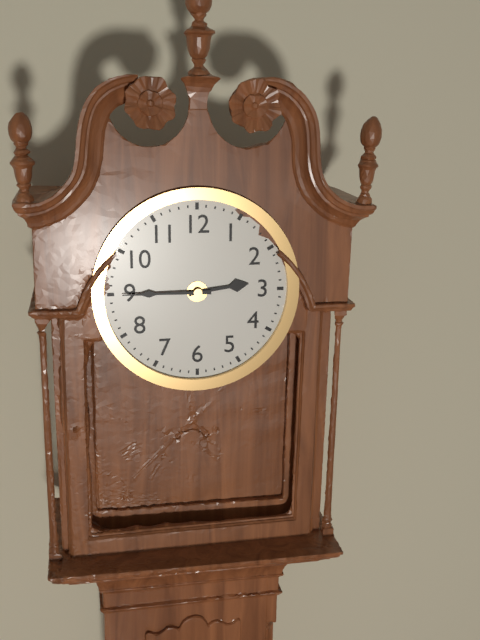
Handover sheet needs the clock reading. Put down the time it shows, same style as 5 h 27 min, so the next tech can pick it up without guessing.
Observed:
2 h 45 min
